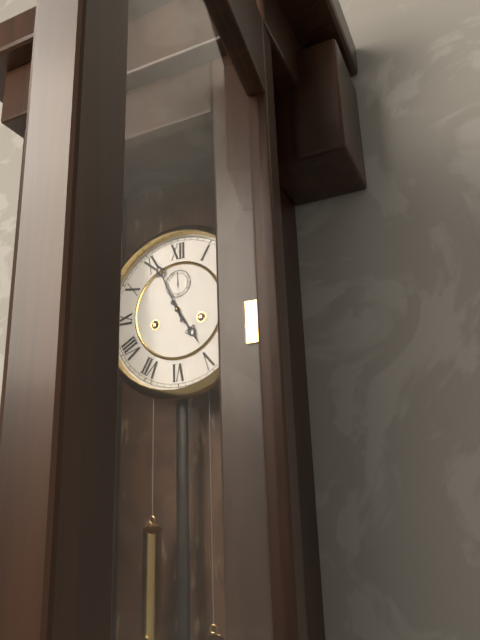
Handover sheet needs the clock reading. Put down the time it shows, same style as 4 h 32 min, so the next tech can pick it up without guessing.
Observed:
4 h 56 min
